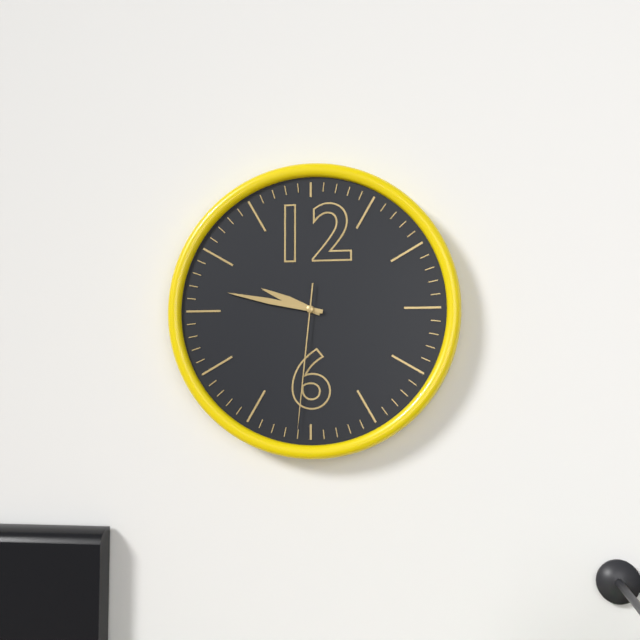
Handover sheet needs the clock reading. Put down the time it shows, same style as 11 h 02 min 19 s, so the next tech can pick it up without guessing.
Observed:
9 h 47 min 31 s
